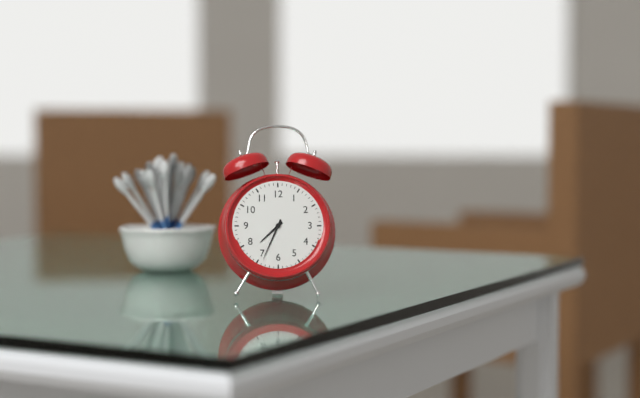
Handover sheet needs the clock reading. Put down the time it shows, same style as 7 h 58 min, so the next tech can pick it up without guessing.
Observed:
7 h 34 min
